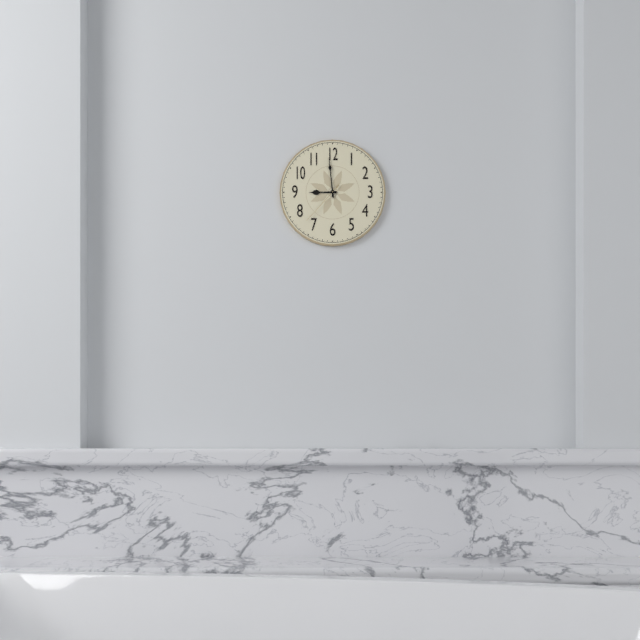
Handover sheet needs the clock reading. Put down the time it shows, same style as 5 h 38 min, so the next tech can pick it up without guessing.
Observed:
8 h 59 min
